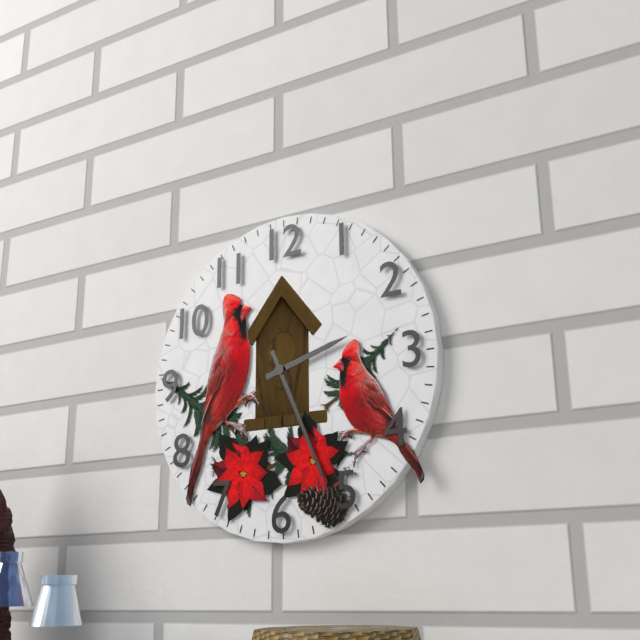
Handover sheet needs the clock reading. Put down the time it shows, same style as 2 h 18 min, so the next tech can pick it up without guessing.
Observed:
2 h 26 min
